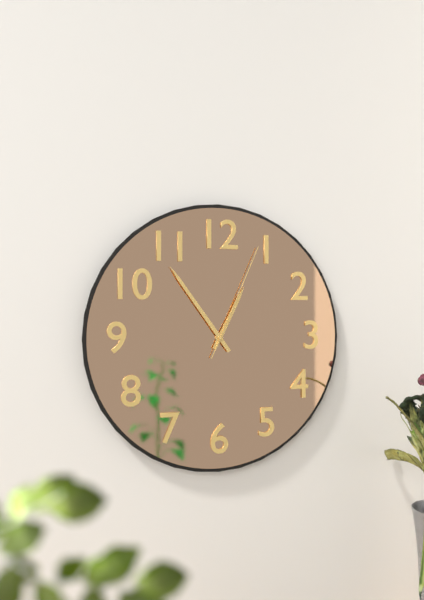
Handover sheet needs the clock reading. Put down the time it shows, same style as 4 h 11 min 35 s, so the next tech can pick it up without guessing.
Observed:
12 h 54 min 04 s
